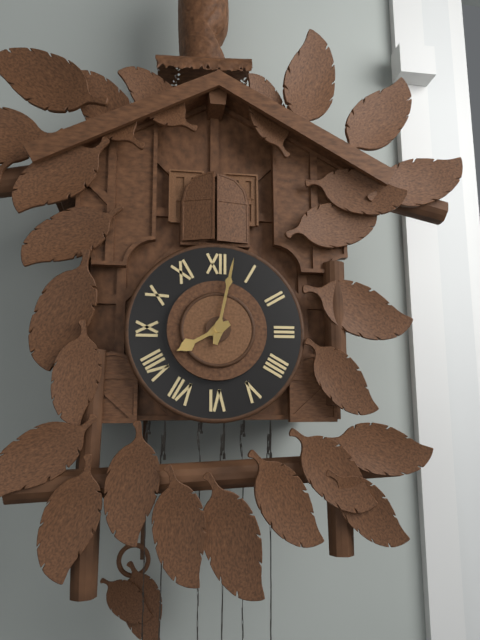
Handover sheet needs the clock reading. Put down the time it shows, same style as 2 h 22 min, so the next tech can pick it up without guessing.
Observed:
8 h 02 min
